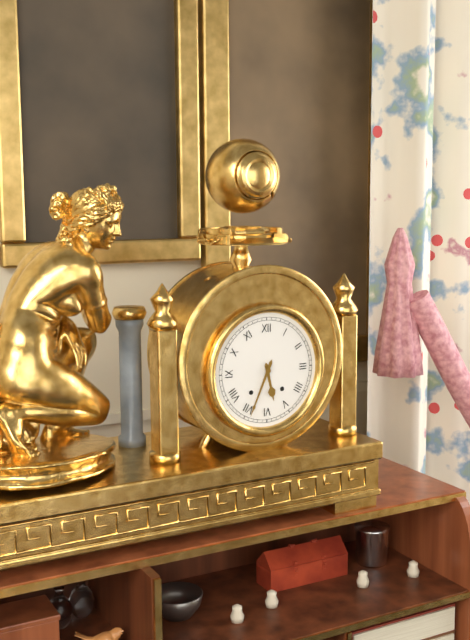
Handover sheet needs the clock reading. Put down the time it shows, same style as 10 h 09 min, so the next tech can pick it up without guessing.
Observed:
5 h 34 min
